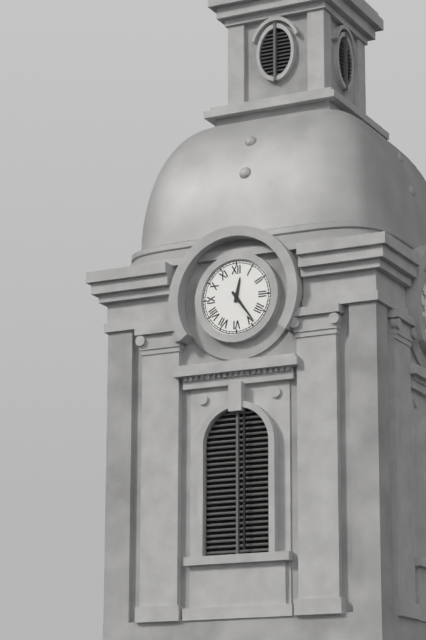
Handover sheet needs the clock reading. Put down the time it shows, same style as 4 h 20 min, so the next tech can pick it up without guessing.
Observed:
12 h 24 min
